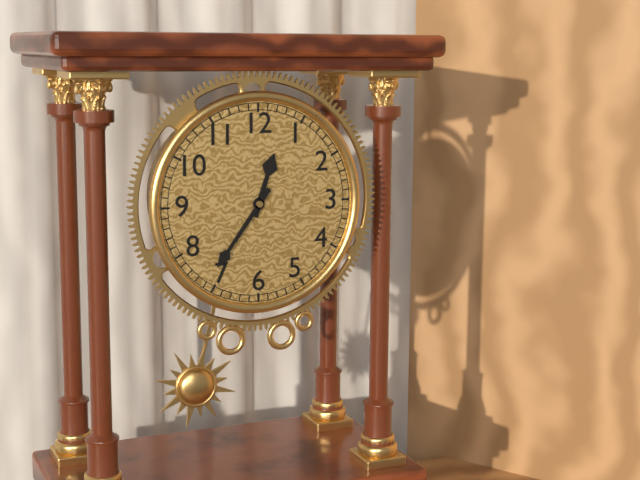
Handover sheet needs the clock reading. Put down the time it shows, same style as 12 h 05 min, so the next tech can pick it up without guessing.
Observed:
12 h 36 min
